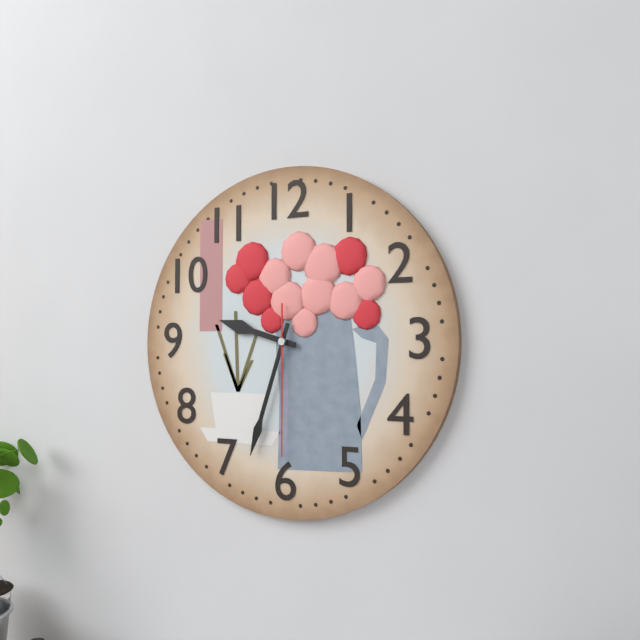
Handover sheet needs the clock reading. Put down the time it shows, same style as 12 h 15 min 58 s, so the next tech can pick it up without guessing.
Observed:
9 h 33 min 30 s
